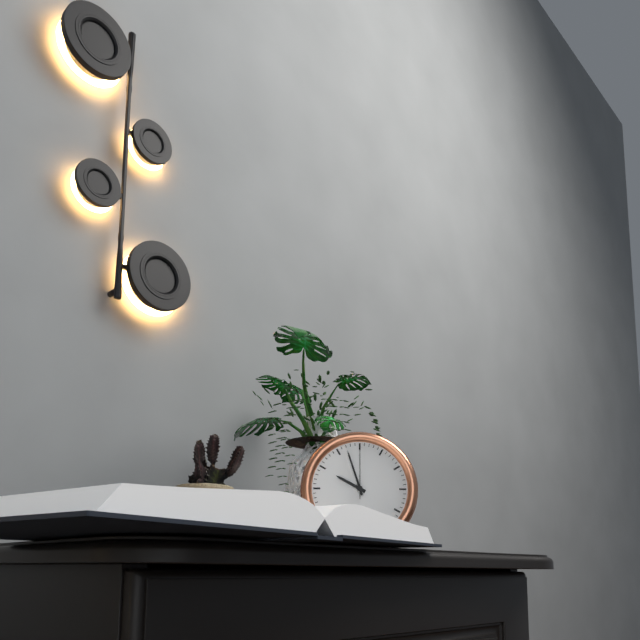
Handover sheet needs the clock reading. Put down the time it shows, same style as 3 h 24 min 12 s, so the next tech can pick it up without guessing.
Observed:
9 h 57 min 00 s
